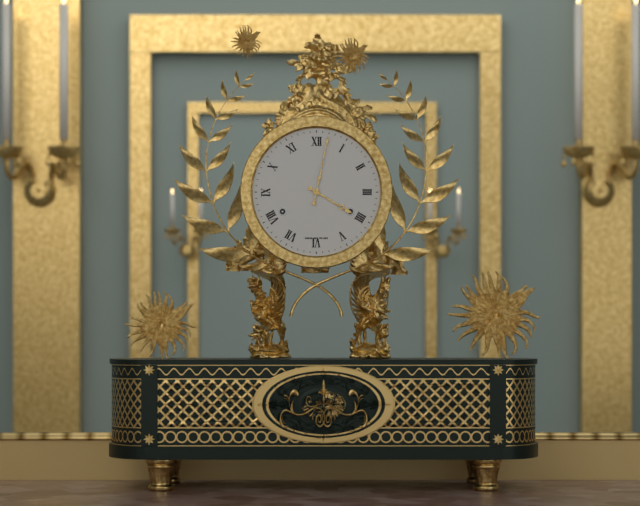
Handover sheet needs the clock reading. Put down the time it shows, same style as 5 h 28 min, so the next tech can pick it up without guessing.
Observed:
4 h 02 min
